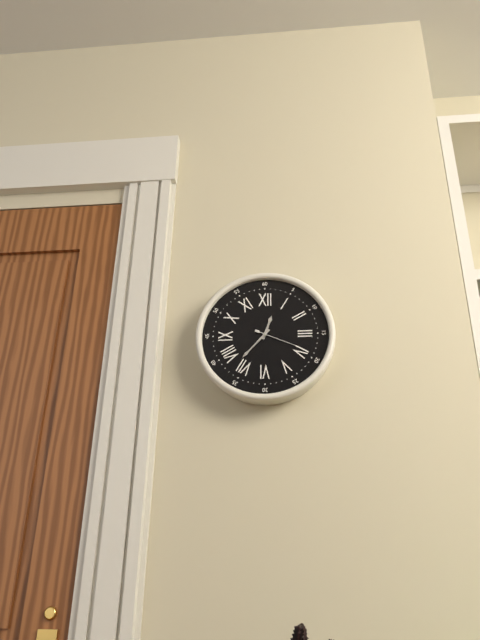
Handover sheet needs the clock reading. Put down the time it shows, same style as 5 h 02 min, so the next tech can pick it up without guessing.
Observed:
12 h 37 min
